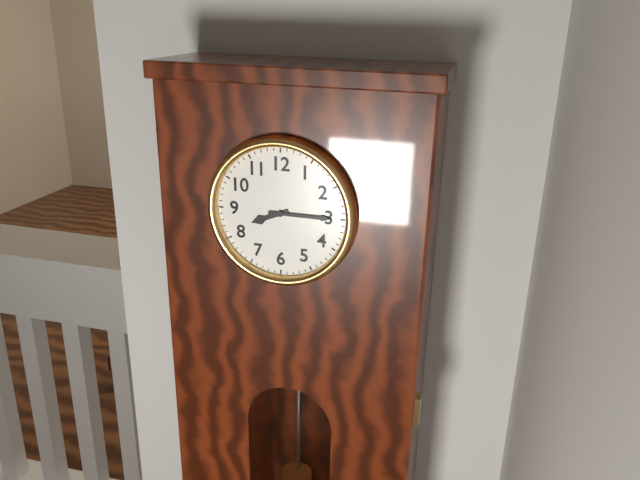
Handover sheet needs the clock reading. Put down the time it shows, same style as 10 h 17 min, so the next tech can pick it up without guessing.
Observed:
8 h 15 min
